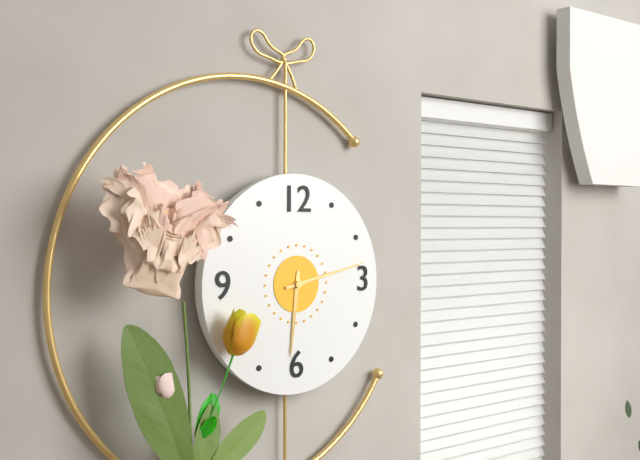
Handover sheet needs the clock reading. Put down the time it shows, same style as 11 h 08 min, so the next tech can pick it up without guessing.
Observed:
6 h 13 min
